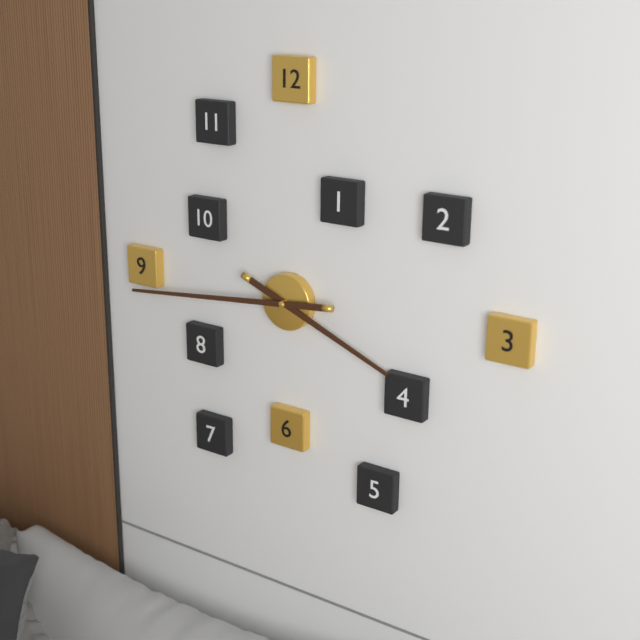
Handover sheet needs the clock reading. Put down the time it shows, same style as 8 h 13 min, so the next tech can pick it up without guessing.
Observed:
3 h 44 min
